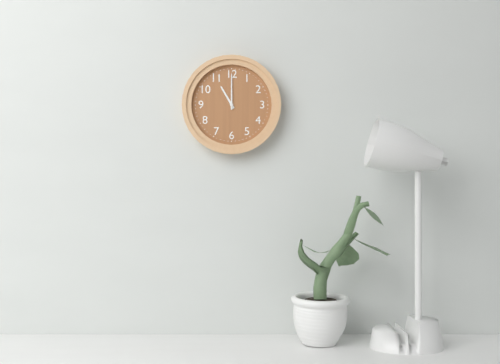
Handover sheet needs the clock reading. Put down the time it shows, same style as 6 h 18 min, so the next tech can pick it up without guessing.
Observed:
11 h 00 min
